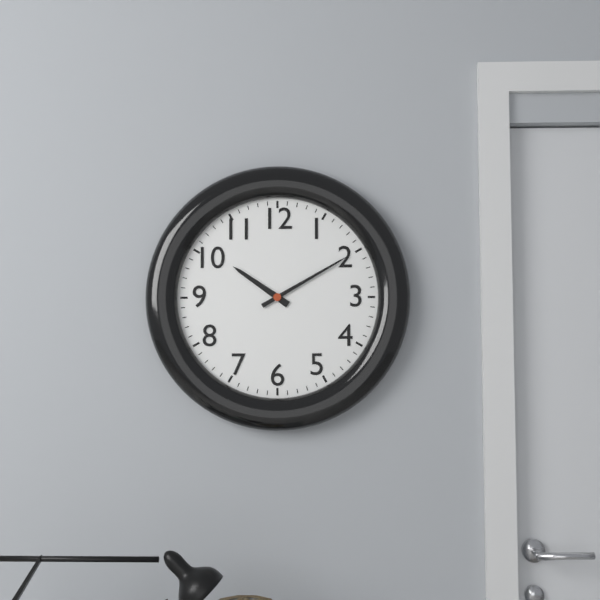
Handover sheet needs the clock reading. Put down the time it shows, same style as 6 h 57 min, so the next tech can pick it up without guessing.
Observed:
10 h 10 min
